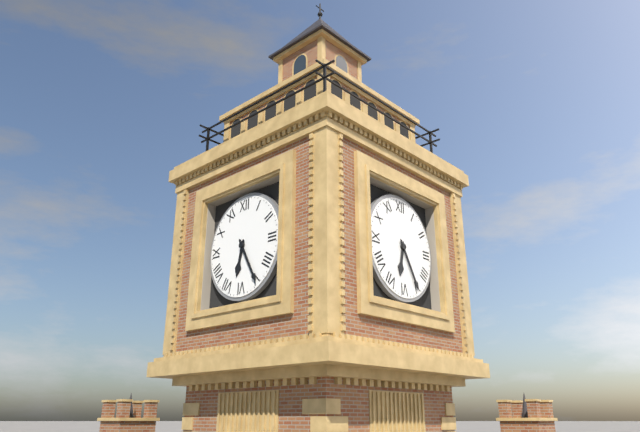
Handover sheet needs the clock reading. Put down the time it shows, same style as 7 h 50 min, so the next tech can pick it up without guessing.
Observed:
6 h 25 min
